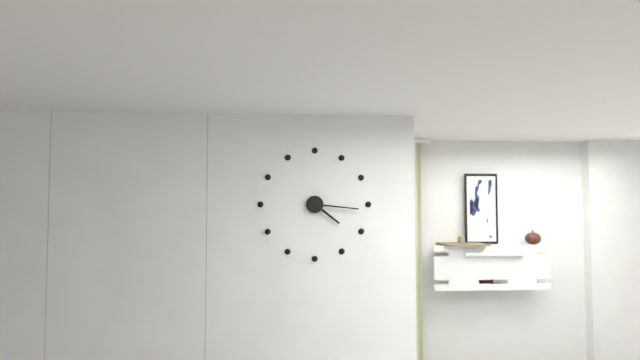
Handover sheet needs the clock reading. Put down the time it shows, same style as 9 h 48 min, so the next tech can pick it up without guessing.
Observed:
4 h 16 min
